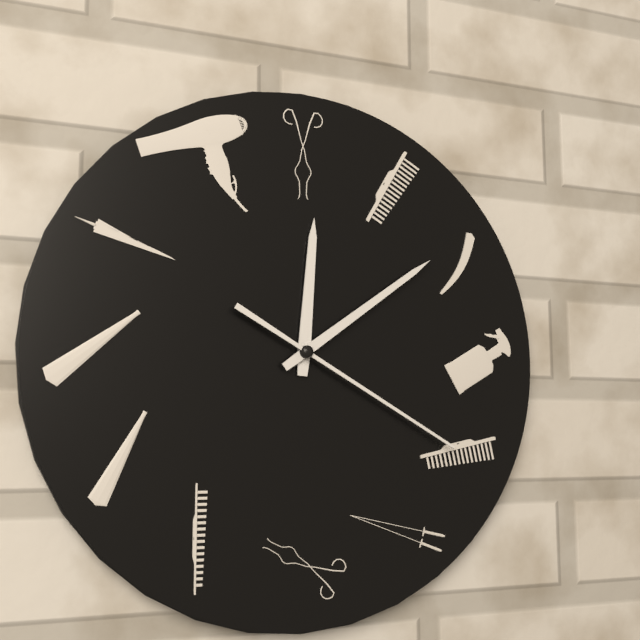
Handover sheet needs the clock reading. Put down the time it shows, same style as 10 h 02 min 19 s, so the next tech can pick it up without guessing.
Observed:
12 h 09 min 20 s
